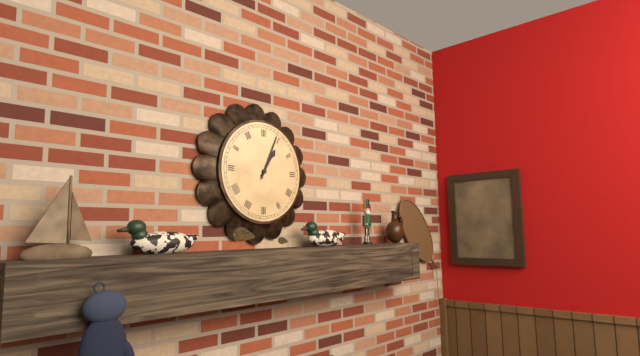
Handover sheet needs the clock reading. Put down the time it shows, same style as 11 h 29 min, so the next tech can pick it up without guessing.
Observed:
1 h 04 min
